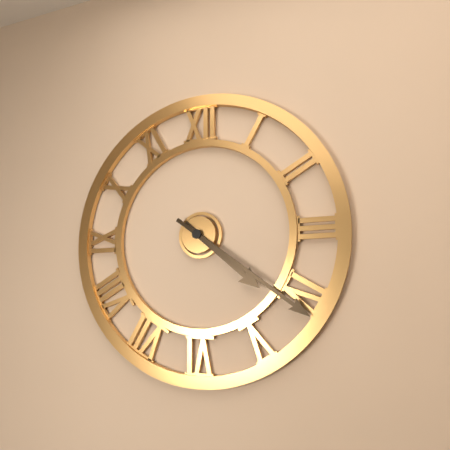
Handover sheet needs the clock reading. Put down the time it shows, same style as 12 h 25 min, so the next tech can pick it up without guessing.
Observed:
4 h 21 min
